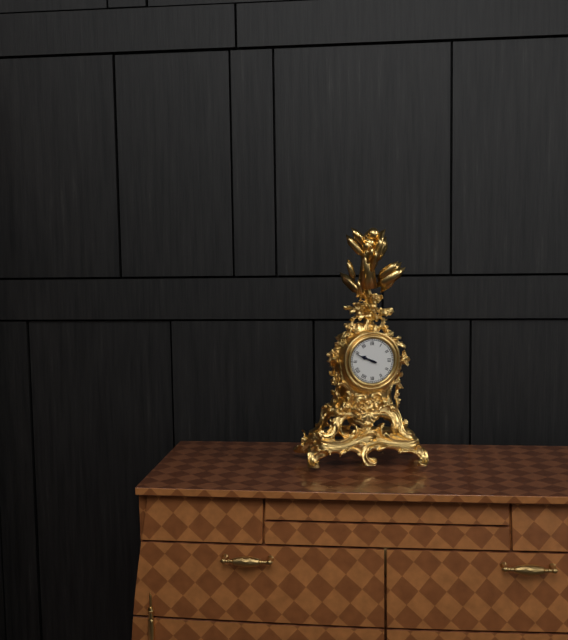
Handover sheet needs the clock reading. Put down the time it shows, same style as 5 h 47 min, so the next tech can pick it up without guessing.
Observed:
9 h 49 min
